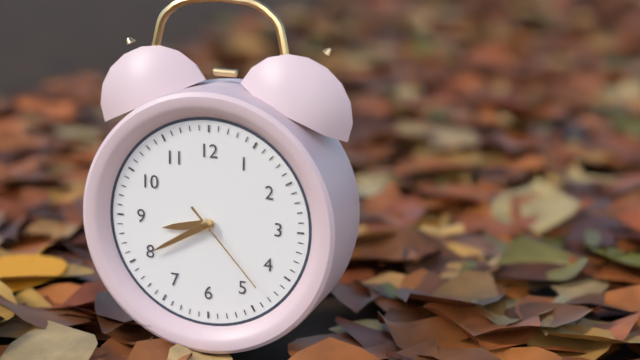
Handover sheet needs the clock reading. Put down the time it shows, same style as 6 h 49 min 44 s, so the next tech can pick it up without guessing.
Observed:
8 h 40 min 23 s
